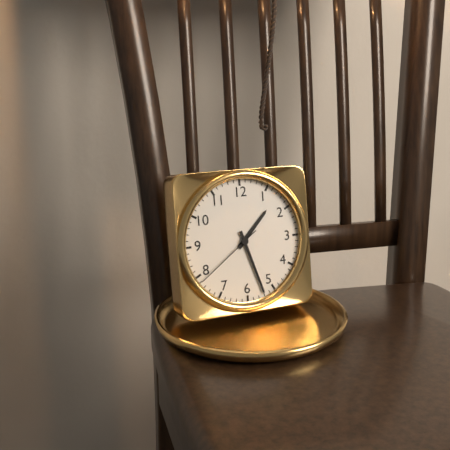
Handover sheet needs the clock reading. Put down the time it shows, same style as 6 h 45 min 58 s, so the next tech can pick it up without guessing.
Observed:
1 h 27 min 39 s
